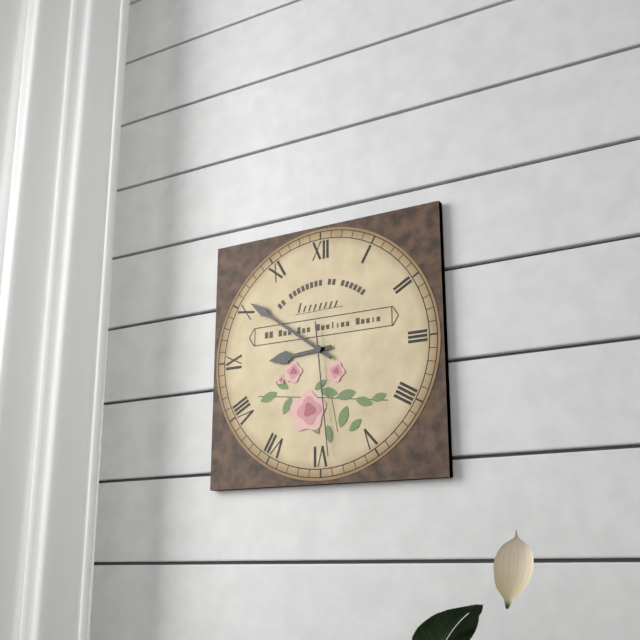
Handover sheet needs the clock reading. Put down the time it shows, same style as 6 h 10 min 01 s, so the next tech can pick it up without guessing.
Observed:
8 h 51 min 29 s
